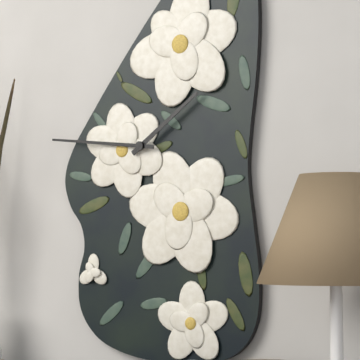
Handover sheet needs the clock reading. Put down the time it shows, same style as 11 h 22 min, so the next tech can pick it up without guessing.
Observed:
1 h 46 min
